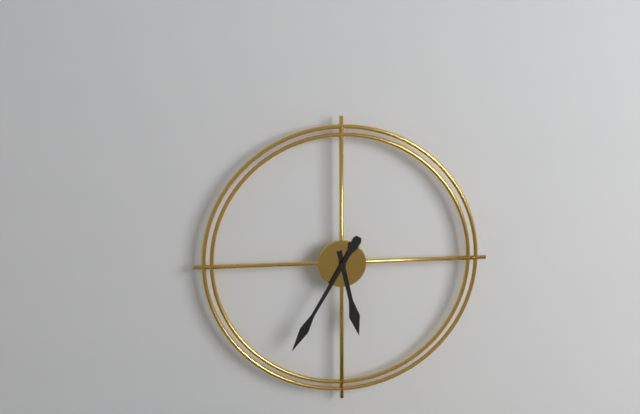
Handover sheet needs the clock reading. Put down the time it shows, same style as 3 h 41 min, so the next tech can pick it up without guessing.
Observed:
5 h 35 min
